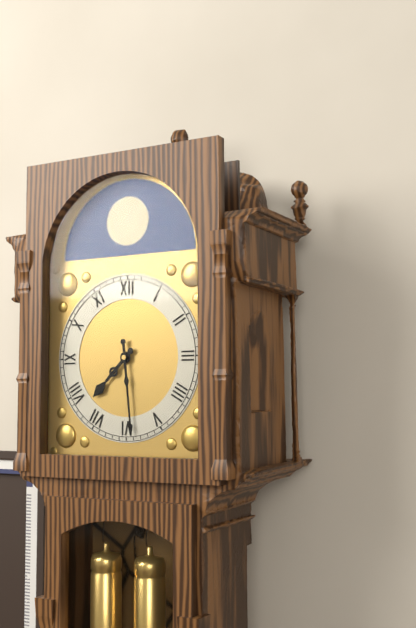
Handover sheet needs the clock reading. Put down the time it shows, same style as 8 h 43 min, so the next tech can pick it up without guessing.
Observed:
7 h 29 min
